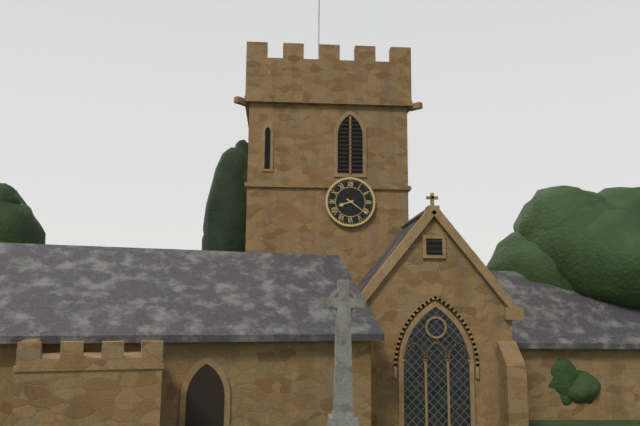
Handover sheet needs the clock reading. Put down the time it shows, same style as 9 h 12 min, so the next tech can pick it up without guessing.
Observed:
8 h 21 min
